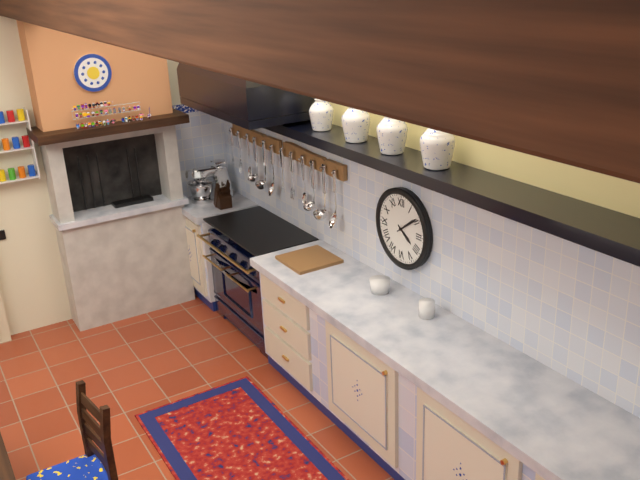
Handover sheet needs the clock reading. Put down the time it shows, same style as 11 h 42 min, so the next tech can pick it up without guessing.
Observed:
4 h 09 min
